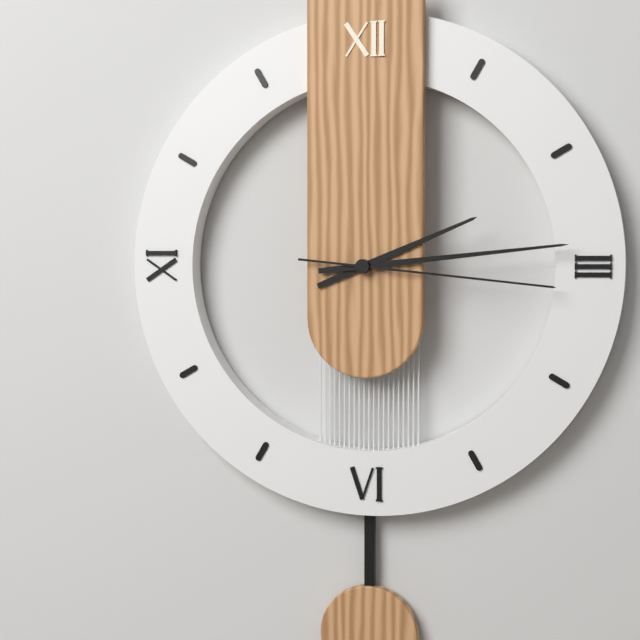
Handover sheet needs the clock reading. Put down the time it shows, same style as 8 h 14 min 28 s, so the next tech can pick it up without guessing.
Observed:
2 h 14 min 16 s
